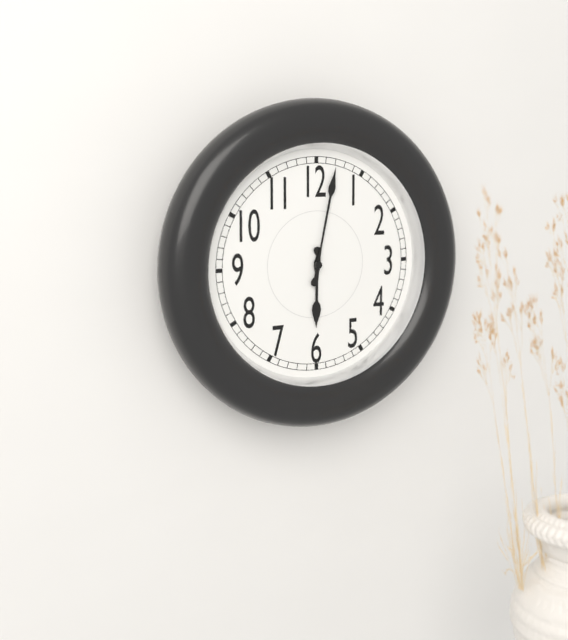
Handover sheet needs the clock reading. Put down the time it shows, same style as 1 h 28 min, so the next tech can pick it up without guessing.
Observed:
6 h 02 min
